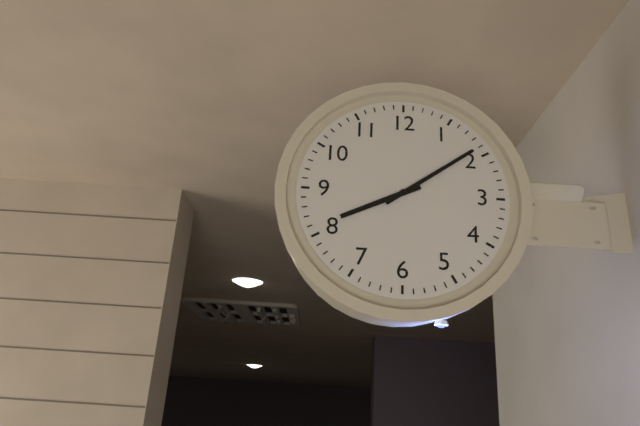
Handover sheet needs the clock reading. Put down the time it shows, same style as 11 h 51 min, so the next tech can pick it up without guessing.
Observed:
8 h 09 min
